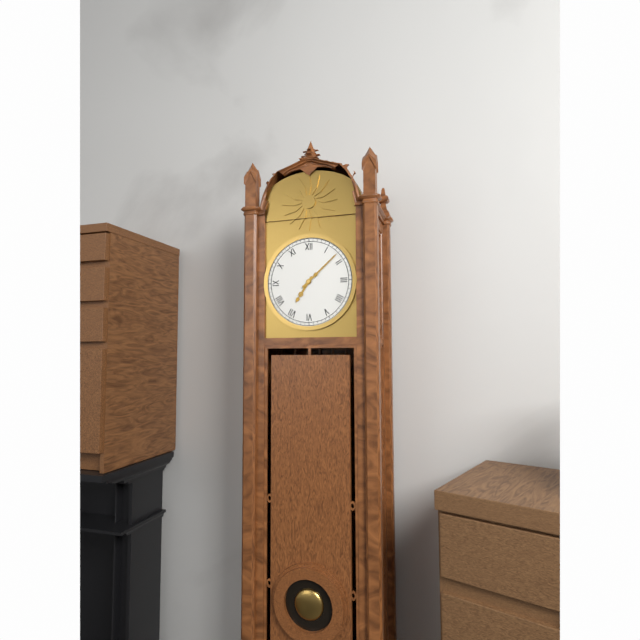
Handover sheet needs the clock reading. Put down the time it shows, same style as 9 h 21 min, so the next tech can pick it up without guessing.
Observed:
7 h 08 min
